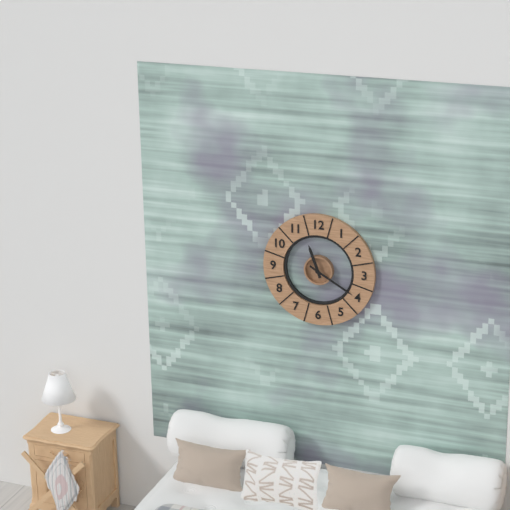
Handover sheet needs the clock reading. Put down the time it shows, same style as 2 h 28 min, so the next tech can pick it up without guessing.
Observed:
11 h 20 min
